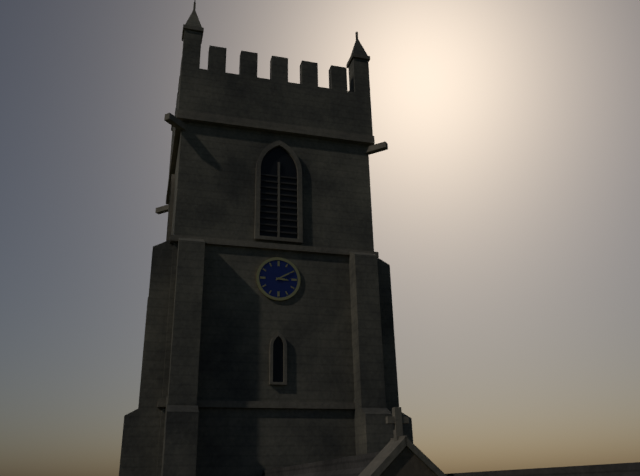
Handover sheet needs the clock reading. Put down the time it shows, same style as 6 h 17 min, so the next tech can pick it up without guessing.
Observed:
3 h 10 min
